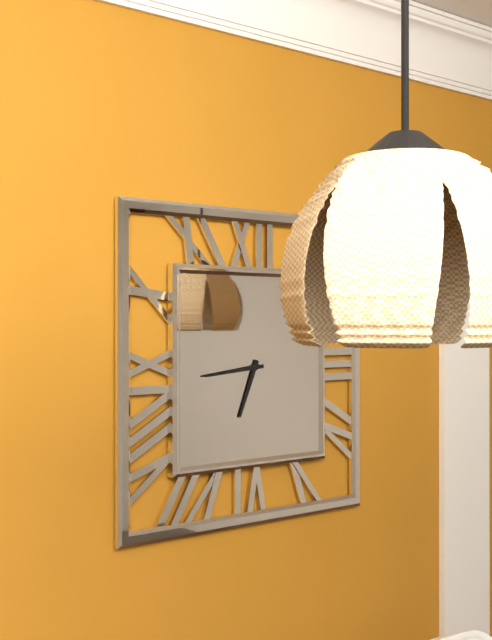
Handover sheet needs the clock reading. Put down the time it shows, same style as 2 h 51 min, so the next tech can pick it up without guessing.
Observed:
6 h 44 min
